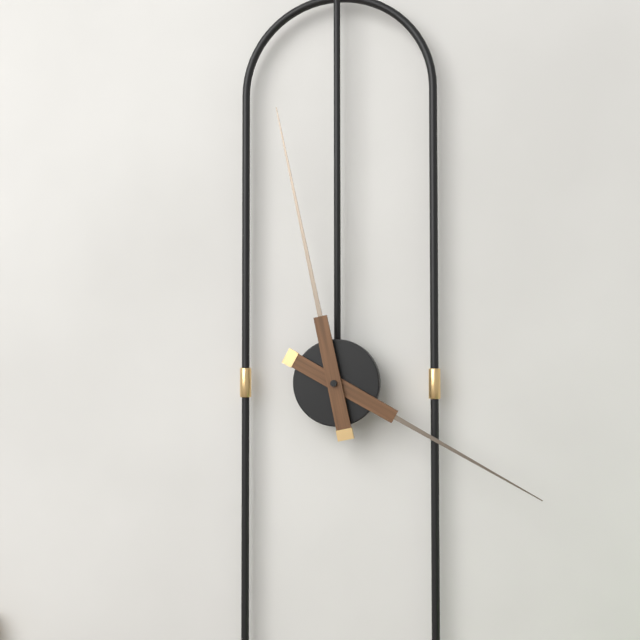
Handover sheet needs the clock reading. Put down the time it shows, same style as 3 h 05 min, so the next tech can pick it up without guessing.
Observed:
3 h 58 min
